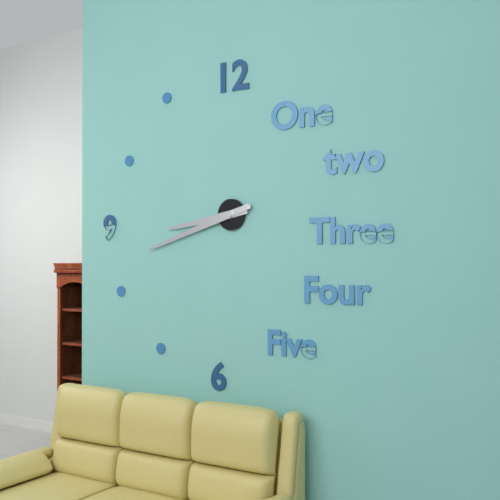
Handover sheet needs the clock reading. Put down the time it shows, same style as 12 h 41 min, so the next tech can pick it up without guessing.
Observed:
8 h 42 min
